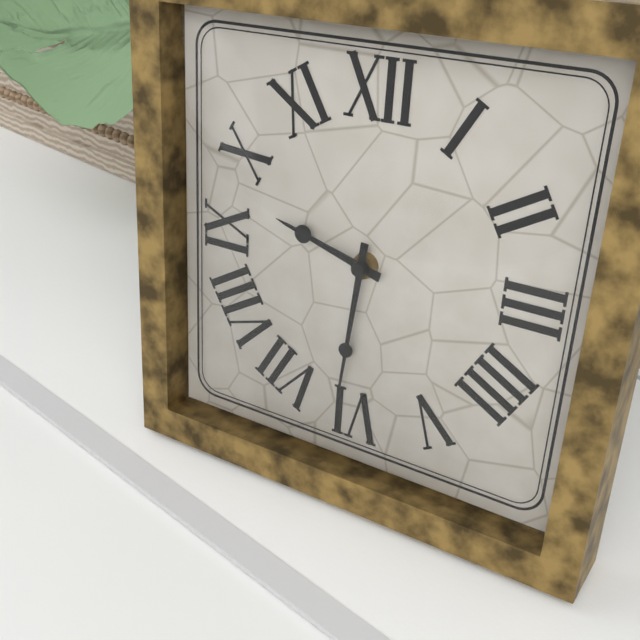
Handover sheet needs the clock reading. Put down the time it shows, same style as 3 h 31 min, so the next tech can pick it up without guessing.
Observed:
9 h 31 min
